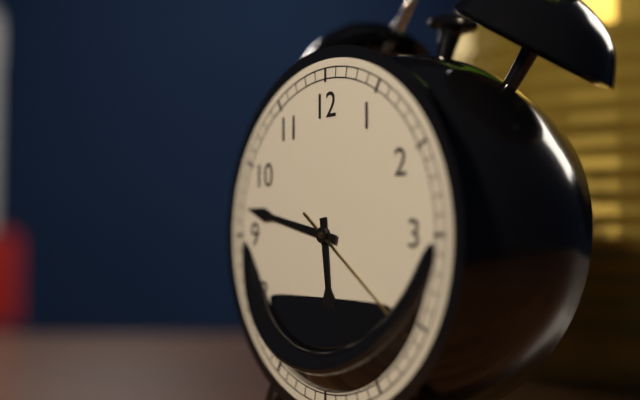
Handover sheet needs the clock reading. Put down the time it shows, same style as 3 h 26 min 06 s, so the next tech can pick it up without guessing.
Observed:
5 h 47 min 21 s
